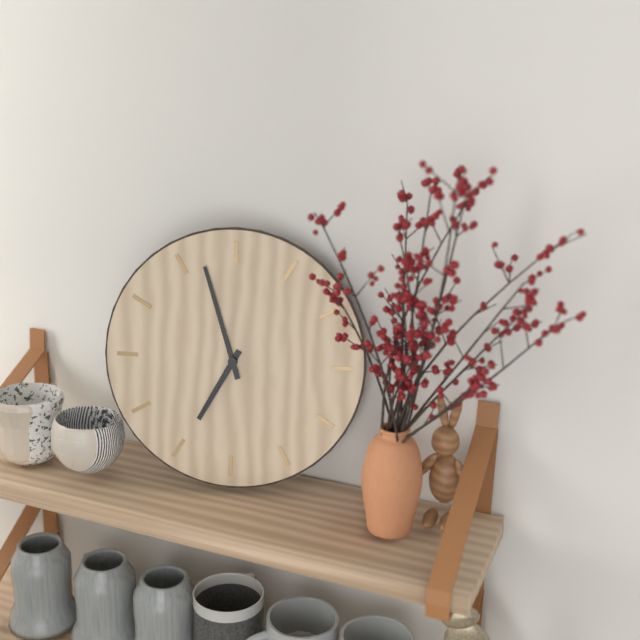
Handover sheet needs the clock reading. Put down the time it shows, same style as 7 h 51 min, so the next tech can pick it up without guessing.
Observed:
6 h 57 min
